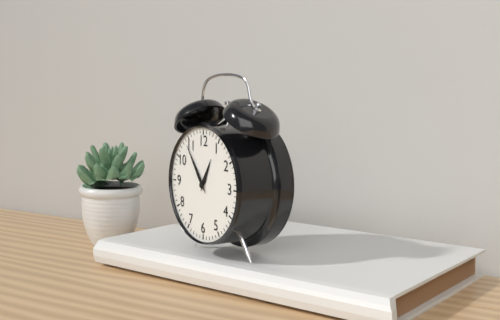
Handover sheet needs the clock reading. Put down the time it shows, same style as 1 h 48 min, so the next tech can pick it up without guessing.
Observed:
12 h 54 min
